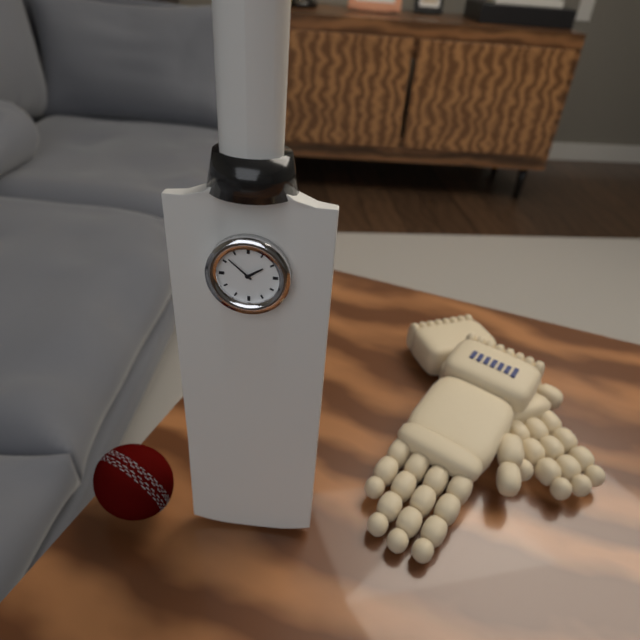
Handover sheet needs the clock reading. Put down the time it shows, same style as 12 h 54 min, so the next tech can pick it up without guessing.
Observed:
1 h 52 min
